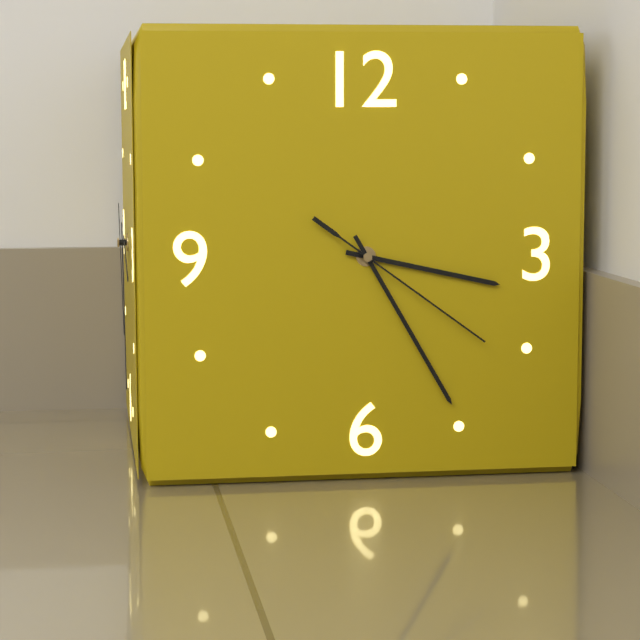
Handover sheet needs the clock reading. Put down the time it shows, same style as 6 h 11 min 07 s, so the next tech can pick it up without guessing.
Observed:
3 h 25 min 21 s
